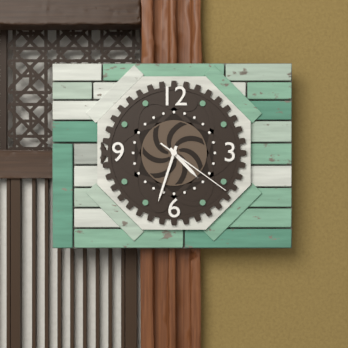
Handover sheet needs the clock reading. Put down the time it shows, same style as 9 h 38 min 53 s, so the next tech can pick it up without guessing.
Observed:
4 h 33 min 21 s
